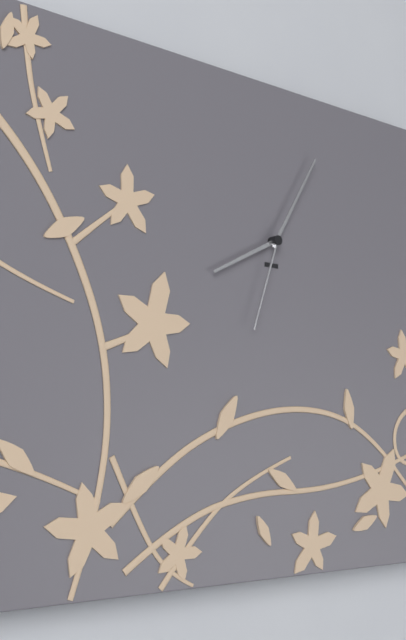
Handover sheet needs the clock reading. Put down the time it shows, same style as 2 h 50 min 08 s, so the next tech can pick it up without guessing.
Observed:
8 h 05 min 33 s
